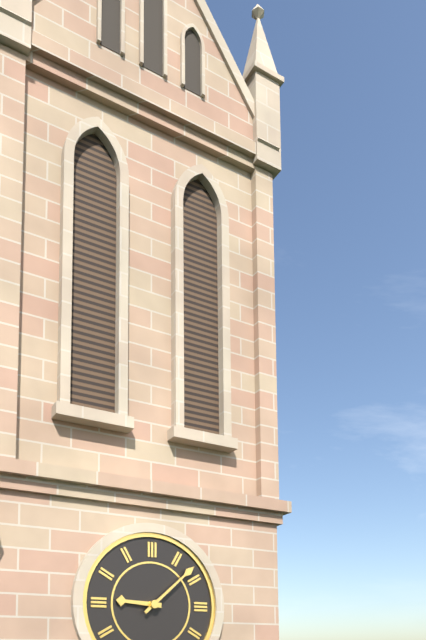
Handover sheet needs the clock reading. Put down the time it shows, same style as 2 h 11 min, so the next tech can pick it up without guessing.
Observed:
9 h 08 min
